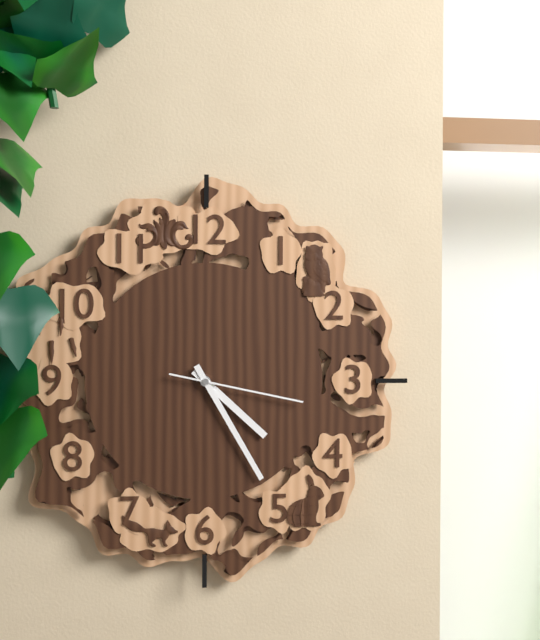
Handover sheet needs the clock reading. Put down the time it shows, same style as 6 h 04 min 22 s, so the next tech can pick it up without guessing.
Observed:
4 h 25 min 17 s
